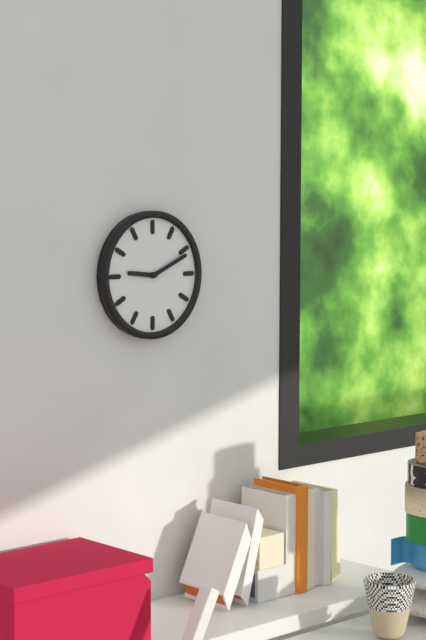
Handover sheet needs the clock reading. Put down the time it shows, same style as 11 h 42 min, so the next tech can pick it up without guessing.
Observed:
9 h 11 min
